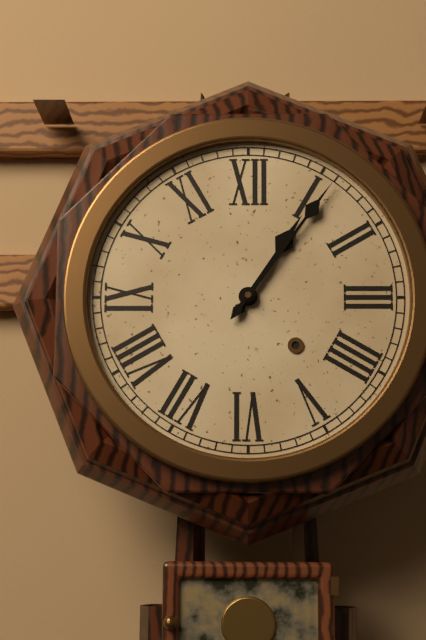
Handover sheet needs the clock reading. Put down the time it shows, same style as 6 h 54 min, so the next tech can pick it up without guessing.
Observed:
1 h 06 min
